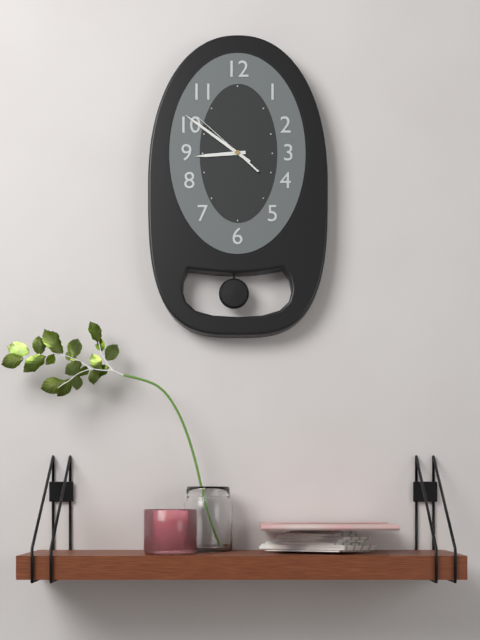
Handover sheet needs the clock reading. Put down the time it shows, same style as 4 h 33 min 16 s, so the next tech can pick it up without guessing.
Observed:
8 h 51 min 52 s
